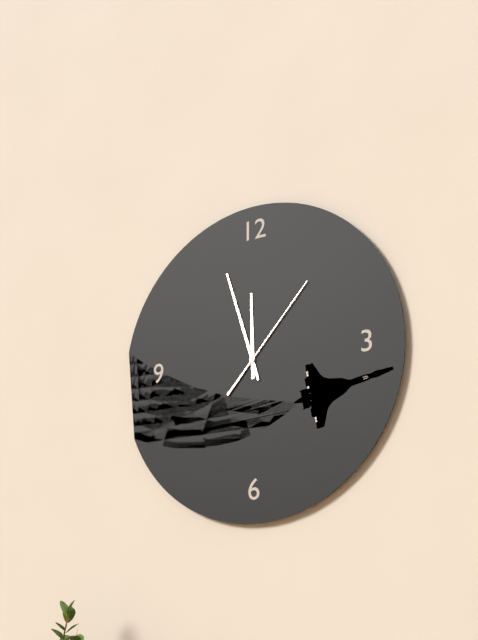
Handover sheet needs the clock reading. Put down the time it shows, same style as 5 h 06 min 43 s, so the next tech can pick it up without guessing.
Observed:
11 h 57 min 07 s
